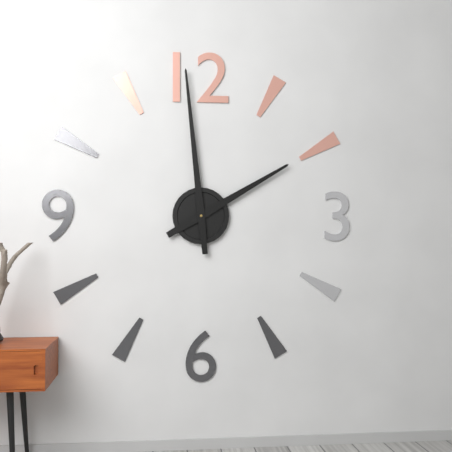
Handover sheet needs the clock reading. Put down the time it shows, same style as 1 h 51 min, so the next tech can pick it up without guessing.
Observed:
1 h 59 min
